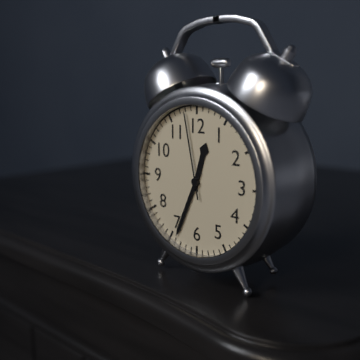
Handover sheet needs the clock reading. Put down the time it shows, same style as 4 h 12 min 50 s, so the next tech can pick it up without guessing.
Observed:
12 h 34 min 58 s
